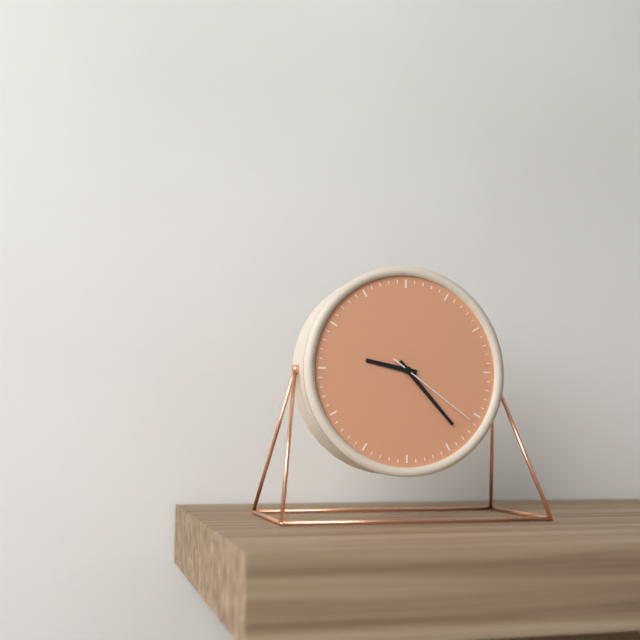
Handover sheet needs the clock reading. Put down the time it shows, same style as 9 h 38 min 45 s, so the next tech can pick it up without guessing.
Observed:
9 h 23 min 21 s
